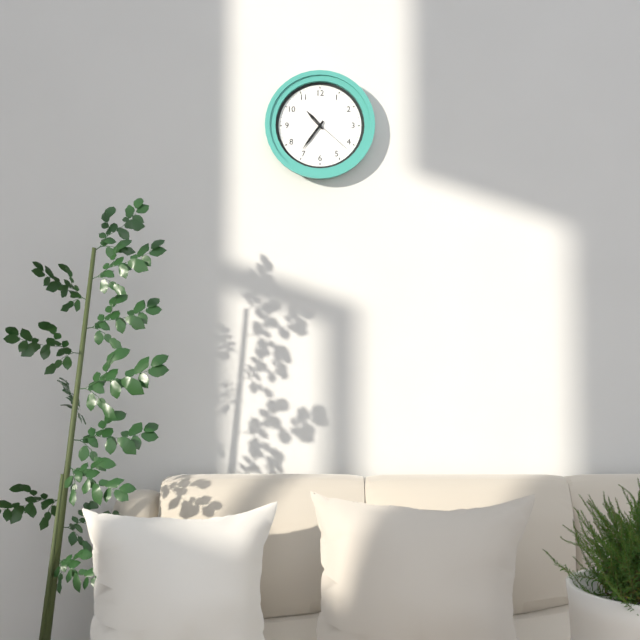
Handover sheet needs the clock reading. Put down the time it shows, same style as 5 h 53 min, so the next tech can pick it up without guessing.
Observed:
10 h 36 min
